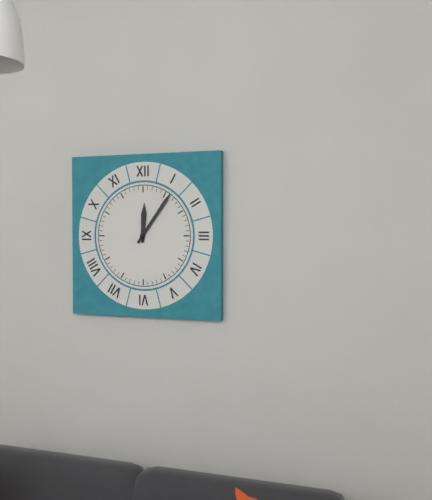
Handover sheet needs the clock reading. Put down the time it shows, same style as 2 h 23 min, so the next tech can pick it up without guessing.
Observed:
12 h 06 min
